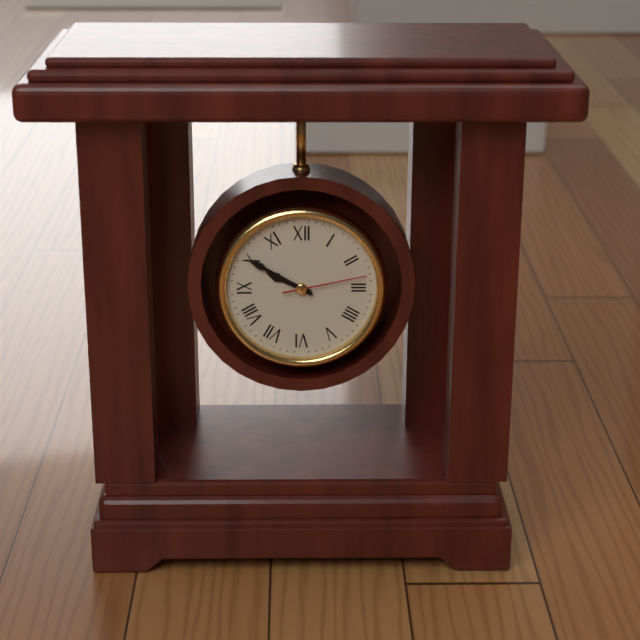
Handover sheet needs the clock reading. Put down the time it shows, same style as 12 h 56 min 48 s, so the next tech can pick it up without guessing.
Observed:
9 h 50 min 13 s
